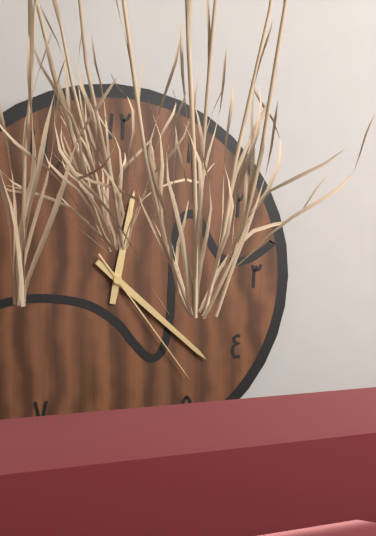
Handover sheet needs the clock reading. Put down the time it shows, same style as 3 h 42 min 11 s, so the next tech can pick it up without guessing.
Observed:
12 h 22 min 24 s
